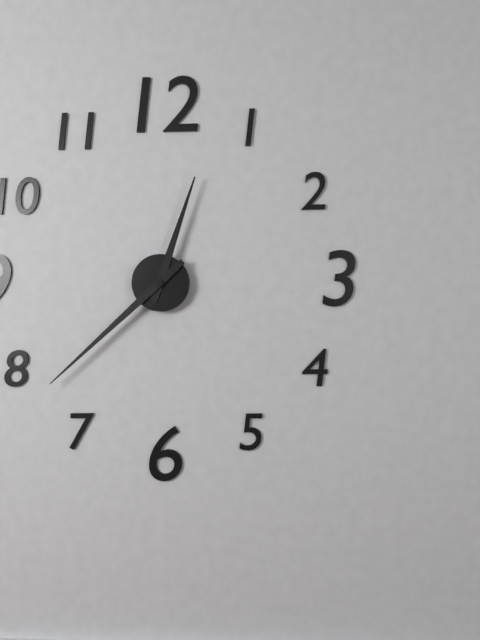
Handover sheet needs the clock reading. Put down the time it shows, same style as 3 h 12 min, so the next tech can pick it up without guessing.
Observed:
12 h 38 min
